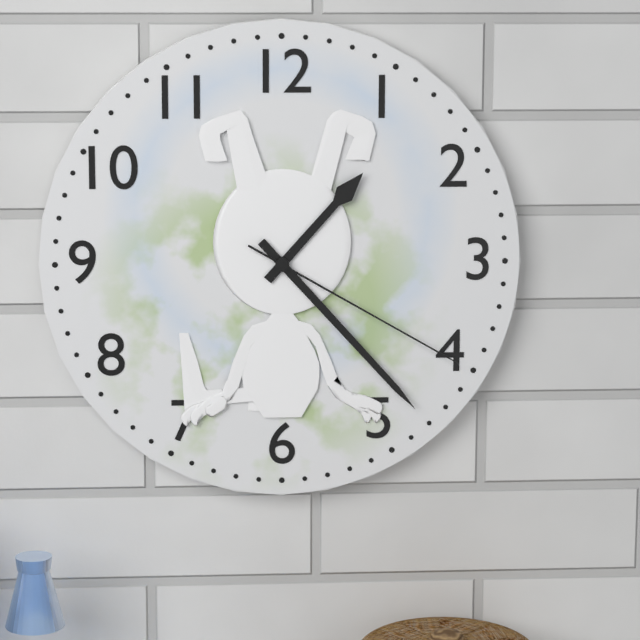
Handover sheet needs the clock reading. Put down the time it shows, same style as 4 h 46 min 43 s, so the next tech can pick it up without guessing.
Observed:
1 h 23 min 20 s
